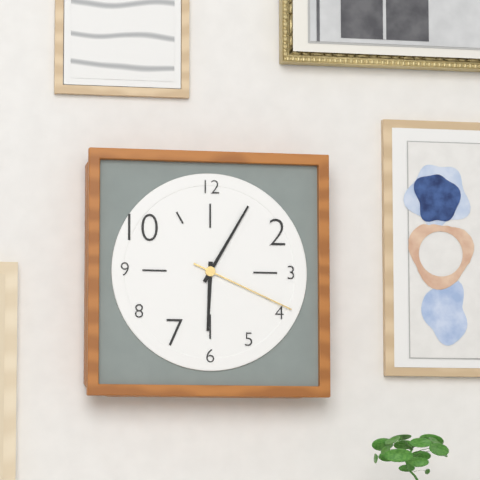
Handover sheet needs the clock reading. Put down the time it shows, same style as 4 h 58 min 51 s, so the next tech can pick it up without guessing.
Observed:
6 h 05 min 19 s
